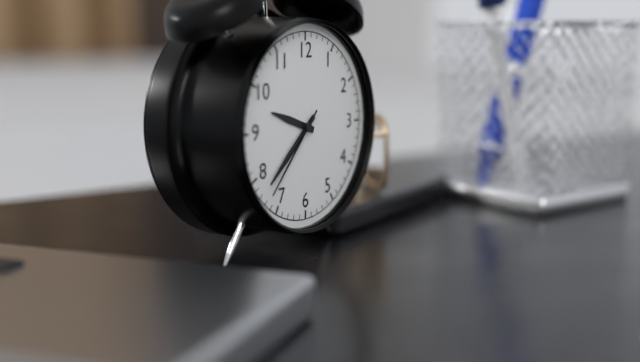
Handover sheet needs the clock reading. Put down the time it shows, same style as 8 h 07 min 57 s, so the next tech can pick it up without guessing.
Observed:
9 h 38 min 37 s
